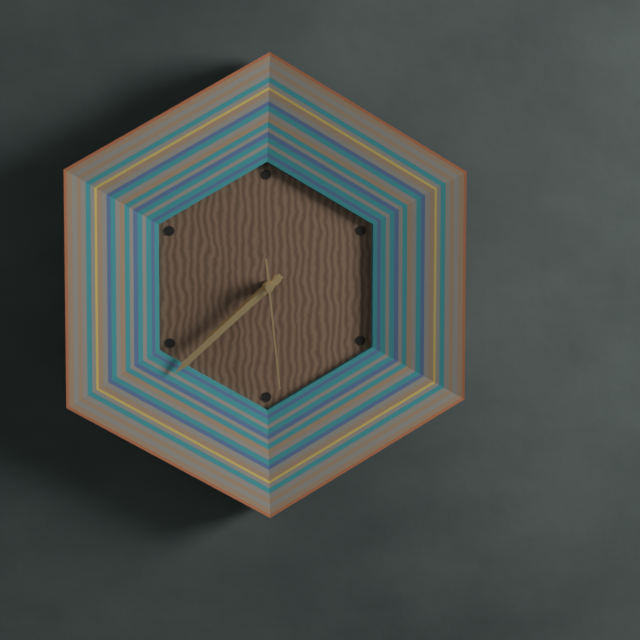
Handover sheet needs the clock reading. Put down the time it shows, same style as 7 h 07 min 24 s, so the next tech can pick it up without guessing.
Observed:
7 h 38 min 29 s
